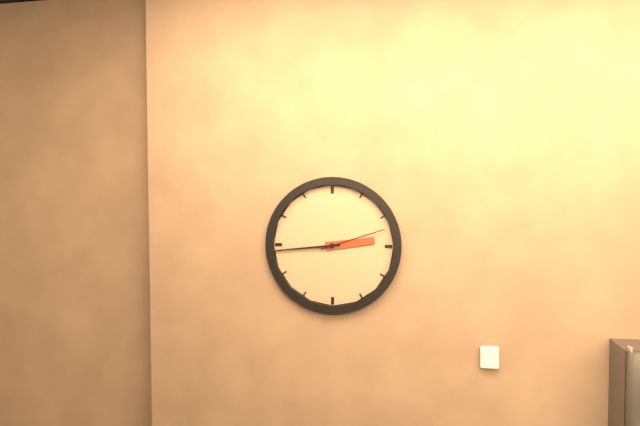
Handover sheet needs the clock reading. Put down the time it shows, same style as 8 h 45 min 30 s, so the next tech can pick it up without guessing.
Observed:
2 h 44 min 12 s
